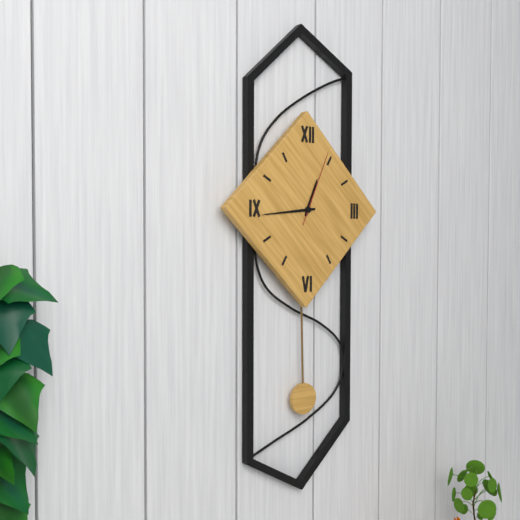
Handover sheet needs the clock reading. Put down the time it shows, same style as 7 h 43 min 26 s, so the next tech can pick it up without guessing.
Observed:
12 h 44 min 04 s
